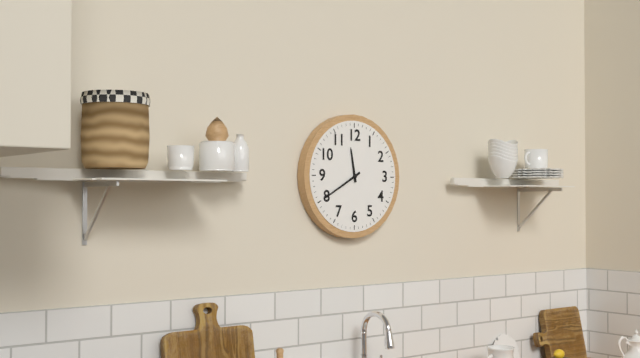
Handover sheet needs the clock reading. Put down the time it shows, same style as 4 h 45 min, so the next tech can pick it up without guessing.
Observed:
11 h 40 min
